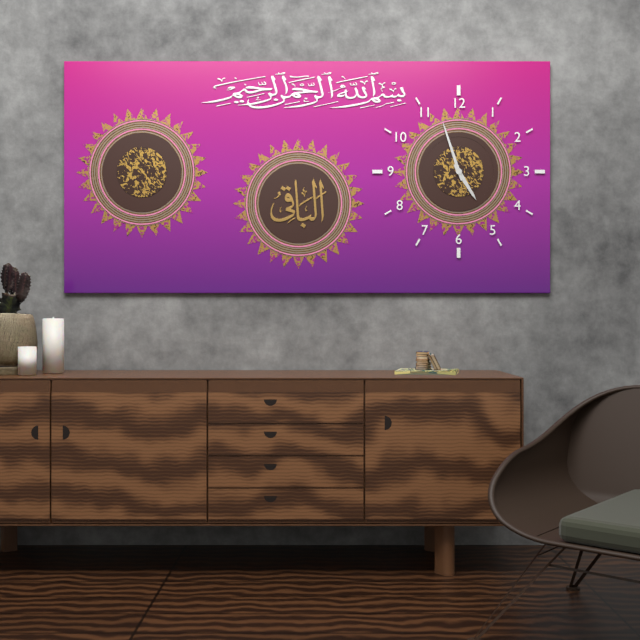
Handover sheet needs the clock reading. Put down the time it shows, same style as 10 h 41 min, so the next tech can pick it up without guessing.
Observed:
4 h 57 min
